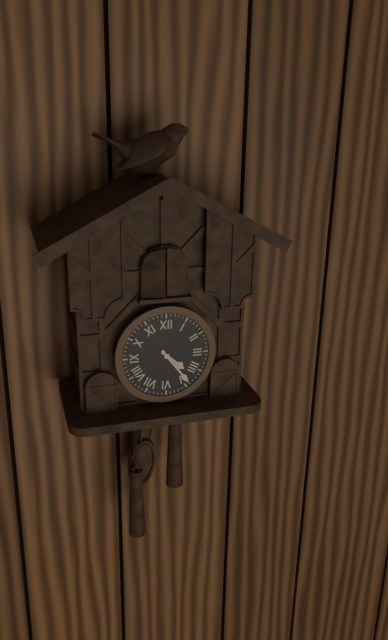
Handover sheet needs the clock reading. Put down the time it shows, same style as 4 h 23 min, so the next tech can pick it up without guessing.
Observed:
4 h 24 min
